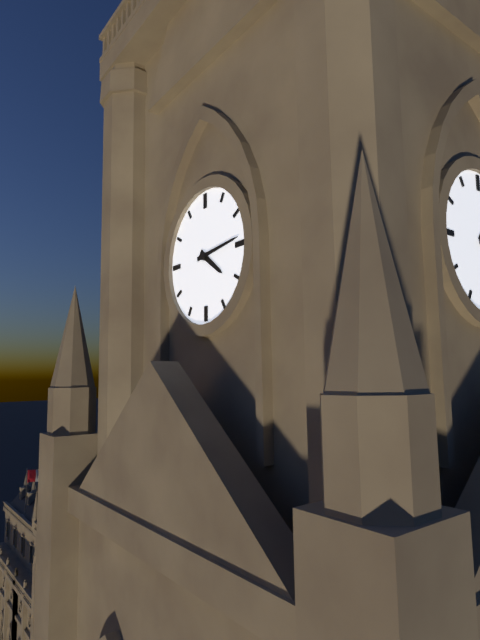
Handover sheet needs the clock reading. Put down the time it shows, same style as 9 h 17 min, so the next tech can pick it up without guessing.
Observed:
4 h 14 min
